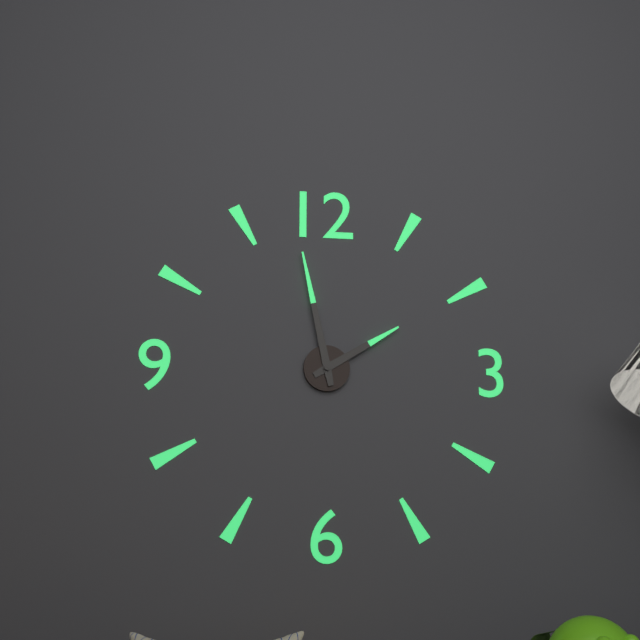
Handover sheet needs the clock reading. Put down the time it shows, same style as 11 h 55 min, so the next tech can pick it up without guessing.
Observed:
1 h 58 min
